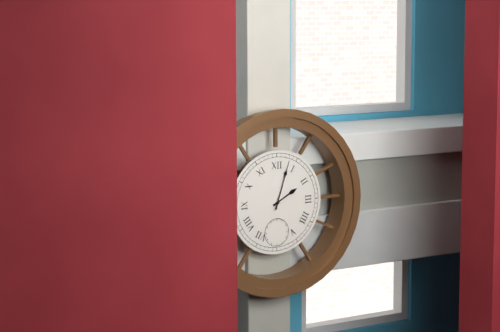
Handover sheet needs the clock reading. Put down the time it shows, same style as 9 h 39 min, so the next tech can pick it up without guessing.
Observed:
2 h 03 min
